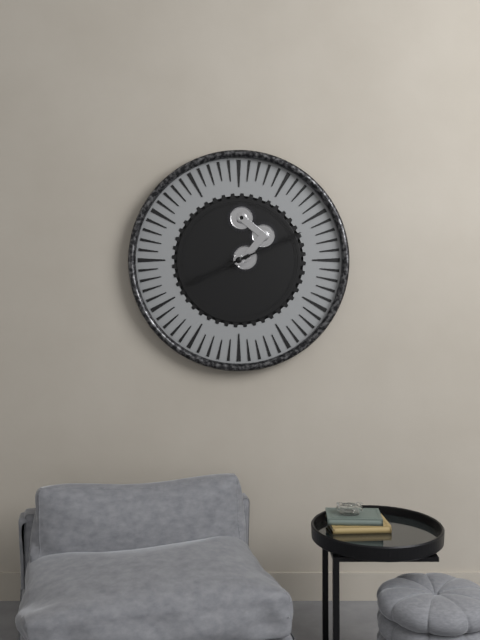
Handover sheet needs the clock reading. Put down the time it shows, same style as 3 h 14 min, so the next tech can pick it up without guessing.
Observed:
8 h 11 min
